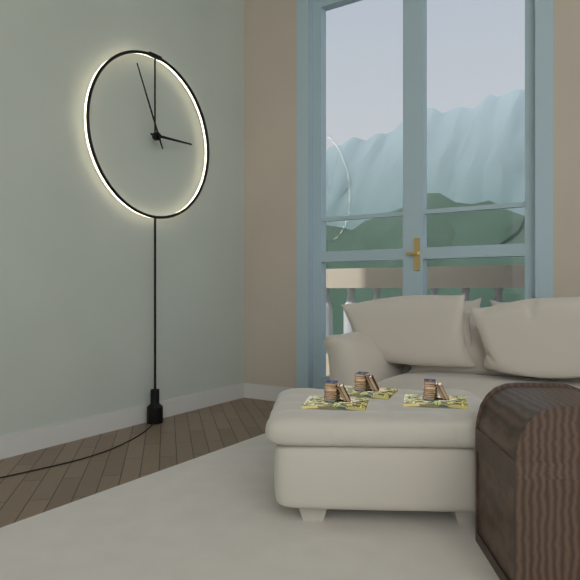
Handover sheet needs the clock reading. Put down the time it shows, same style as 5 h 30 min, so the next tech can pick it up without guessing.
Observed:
2 h 56 min
